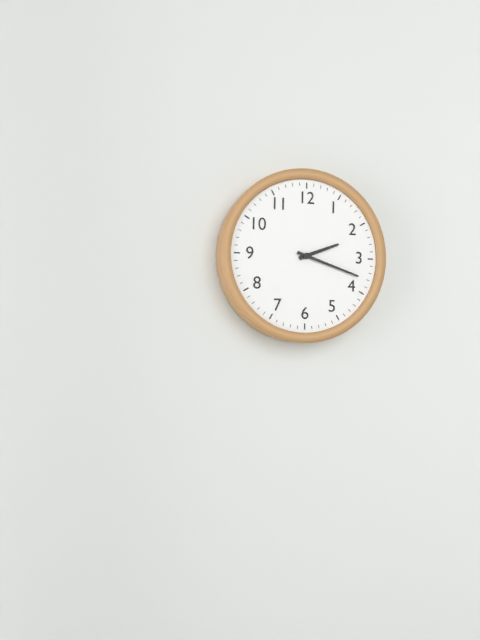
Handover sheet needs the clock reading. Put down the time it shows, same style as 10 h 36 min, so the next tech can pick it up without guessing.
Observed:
2 h 18 min
